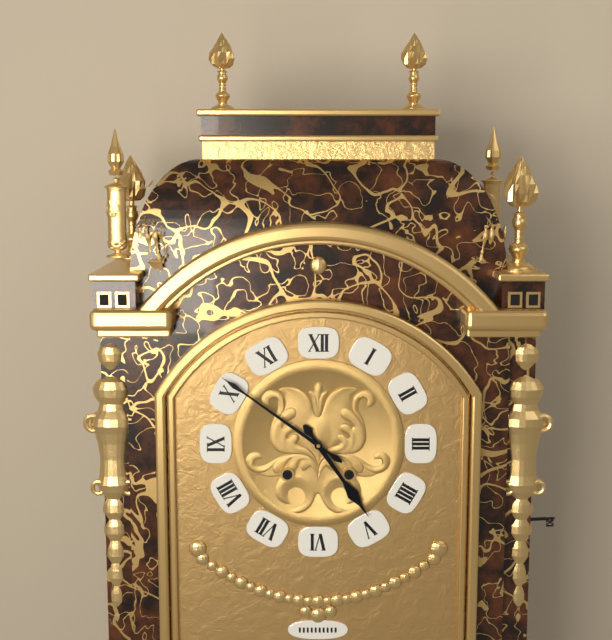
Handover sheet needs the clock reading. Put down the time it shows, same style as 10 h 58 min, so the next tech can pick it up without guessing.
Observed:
4 h 51 min
